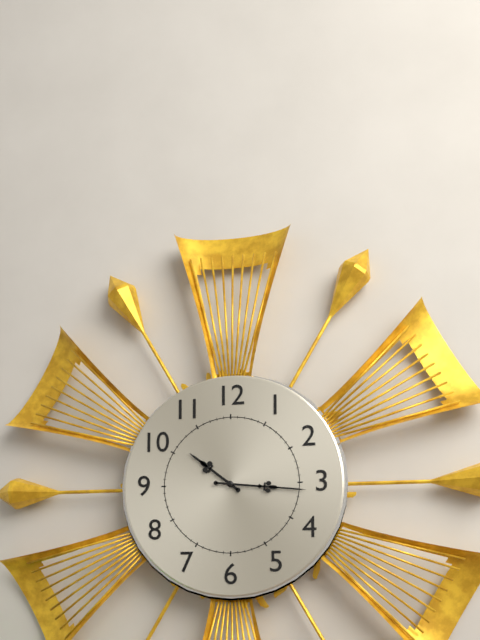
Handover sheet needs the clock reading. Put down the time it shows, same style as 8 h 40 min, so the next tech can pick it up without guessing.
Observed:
10 h 16 min
